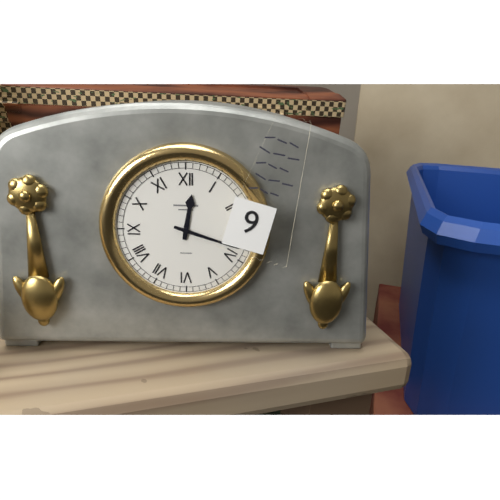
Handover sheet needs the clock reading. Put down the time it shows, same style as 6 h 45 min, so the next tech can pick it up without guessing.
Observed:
12 h 18 min
